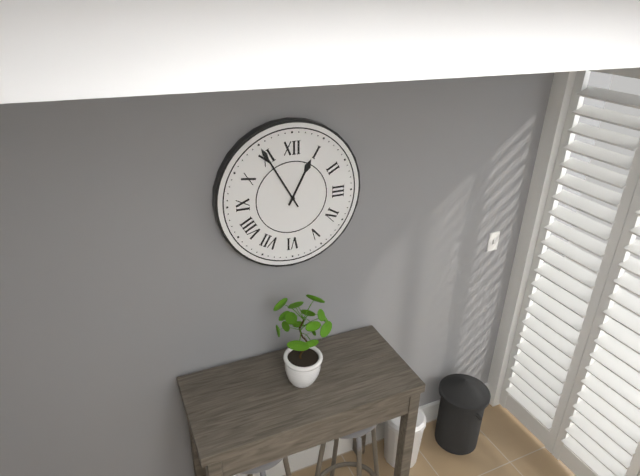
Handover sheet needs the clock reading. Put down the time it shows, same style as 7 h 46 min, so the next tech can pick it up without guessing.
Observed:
12 h 55 min
